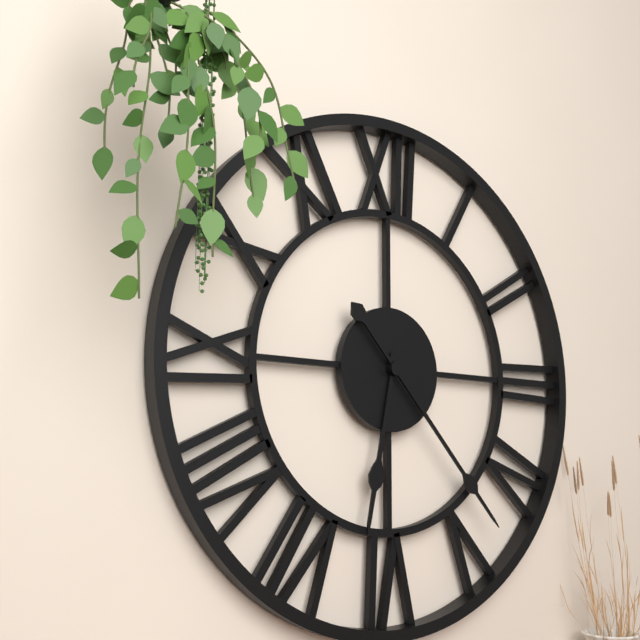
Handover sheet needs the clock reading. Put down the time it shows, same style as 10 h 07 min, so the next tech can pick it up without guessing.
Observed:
6 h 23 min
